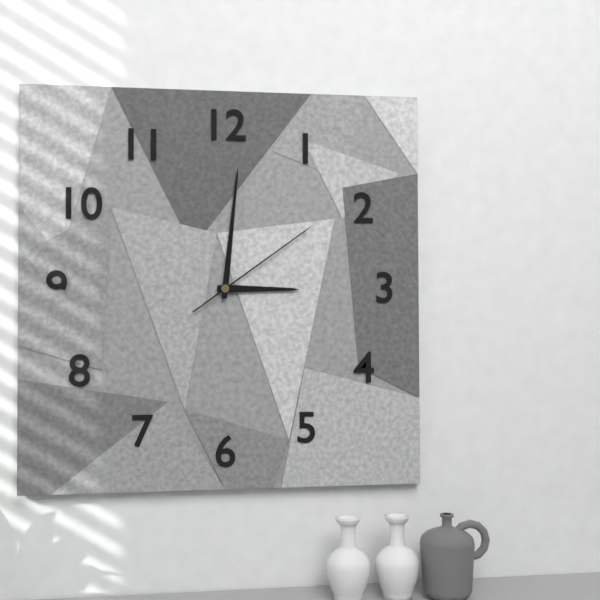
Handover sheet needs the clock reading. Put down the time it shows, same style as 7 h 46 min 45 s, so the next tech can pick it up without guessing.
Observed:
3 h 01 min 09 s
